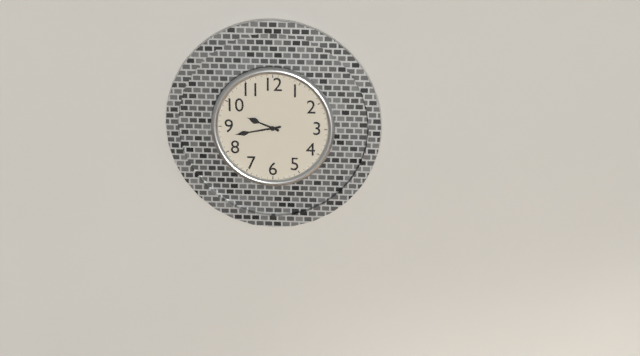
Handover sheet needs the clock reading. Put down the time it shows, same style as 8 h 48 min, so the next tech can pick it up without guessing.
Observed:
9 h 43 min
